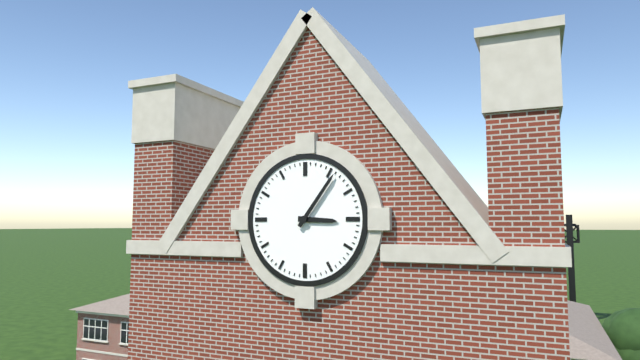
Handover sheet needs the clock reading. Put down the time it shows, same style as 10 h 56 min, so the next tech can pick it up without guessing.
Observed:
3 h 06 min
